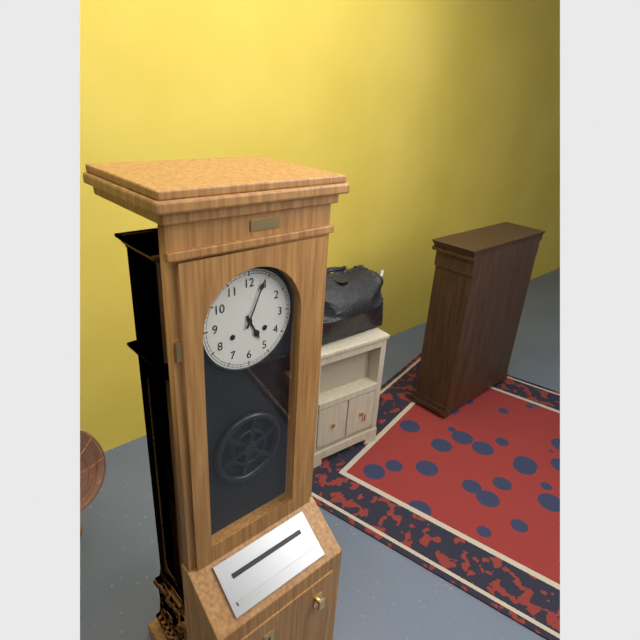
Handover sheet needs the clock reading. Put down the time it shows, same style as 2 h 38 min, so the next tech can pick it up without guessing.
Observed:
5 h 04 min
